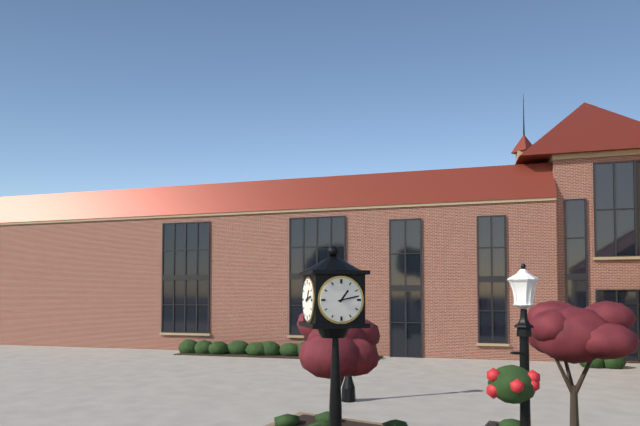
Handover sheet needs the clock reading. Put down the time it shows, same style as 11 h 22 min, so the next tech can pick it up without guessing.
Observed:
1 h 13 min
